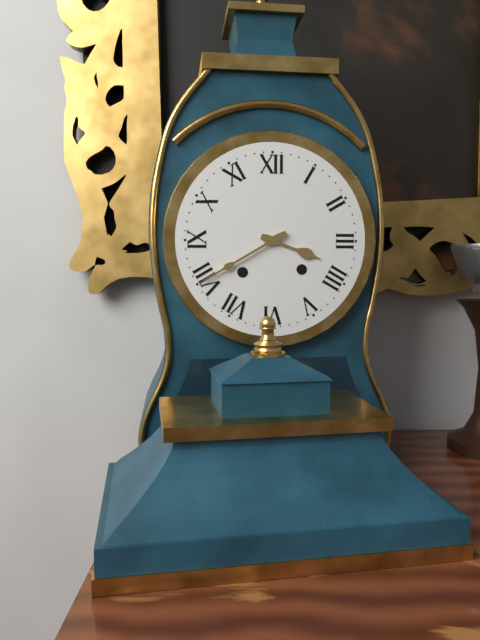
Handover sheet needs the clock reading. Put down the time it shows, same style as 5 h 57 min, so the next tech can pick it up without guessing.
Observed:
3 h 40 min
